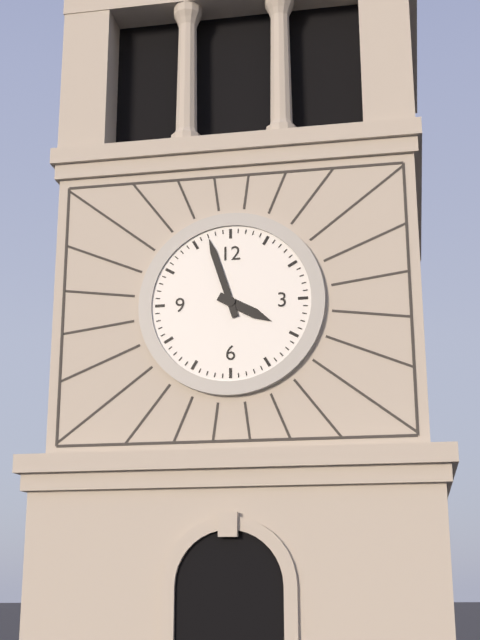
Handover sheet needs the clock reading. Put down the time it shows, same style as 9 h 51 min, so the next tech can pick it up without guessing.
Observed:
3 h 57 min
